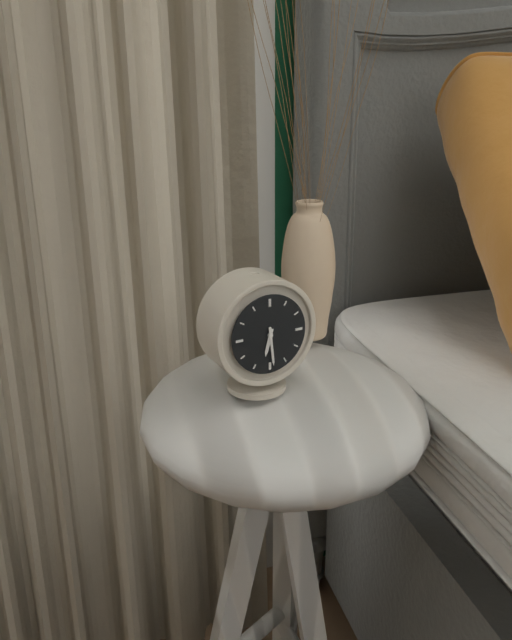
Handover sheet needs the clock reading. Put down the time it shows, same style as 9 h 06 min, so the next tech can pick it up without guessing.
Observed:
6 h 29 min
